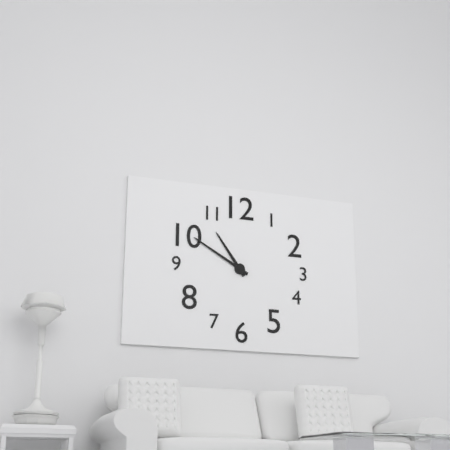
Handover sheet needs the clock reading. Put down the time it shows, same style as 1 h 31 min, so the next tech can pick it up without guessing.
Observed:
10 h 50 min
